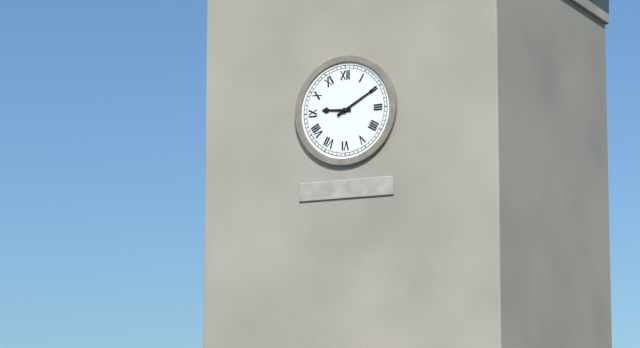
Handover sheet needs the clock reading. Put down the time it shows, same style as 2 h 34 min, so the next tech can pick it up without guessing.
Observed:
9 h 10 min
